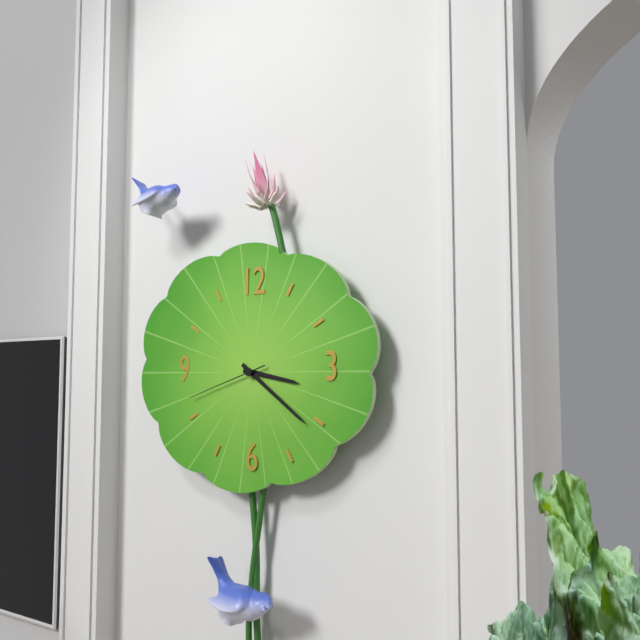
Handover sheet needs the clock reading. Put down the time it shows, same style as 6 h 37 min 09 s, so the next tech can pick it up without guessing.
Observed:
3 h 21 min 42 s
